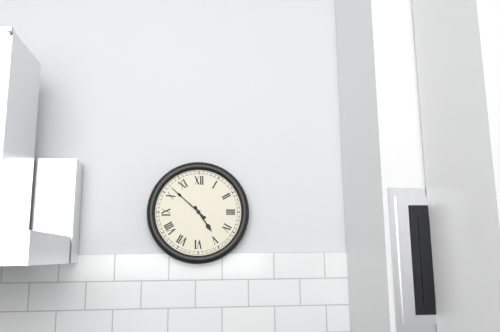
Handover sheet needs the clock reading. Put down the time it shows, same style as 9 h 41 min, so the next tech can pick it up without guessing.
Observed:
4 h 52 min
